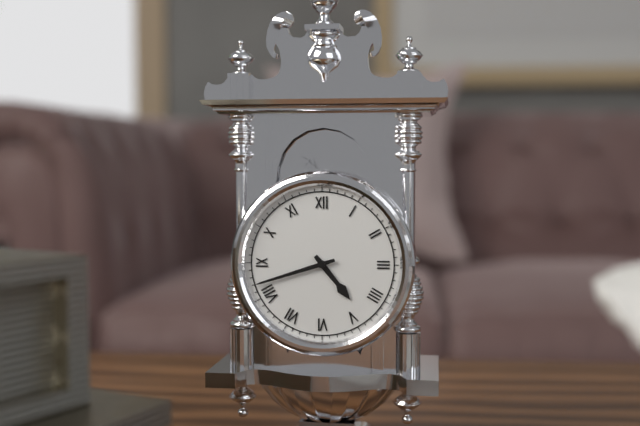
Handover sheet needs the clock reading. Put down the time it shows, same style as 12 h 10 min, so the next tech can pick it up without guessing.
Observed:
4 h 42 min
